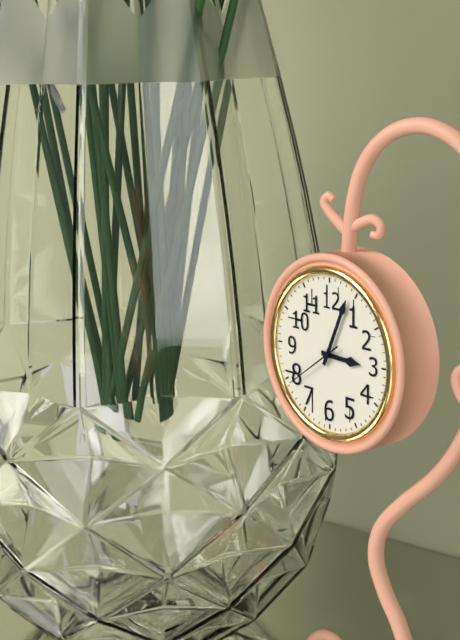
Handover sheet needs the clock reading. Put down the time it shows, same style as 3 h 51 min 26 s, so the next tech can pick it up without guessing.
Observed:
3 h 04 min 39 s
